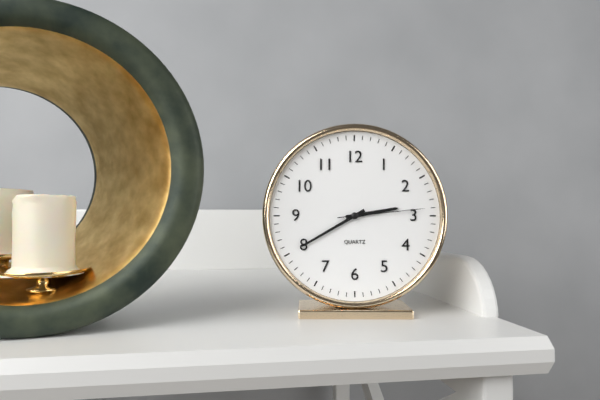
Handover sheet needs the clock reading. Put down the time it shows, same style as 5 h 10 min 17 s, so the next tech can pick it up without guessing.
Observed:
2 h 40 min 14 s
